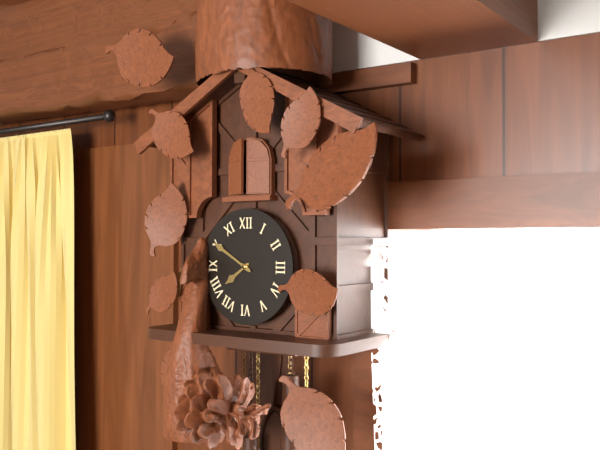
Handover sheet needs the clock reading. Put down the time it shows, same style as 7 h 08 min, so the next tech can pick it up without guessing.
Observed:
7 h 50 min
